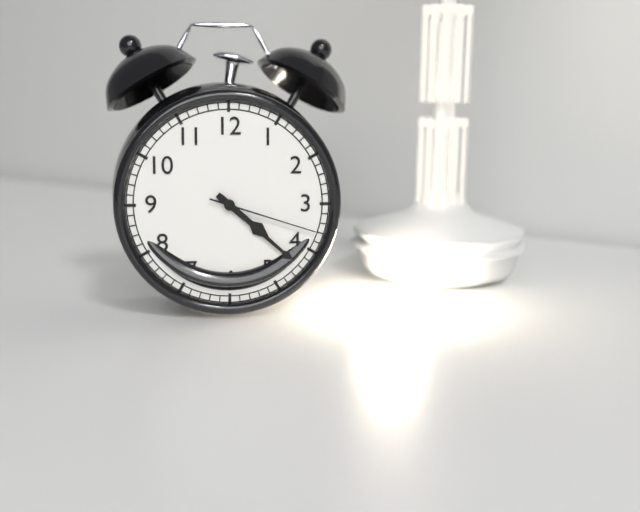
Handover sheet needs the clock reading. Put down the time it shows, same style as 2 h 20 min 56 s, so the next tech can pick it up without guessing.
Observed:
4 h 22 min 18 s
